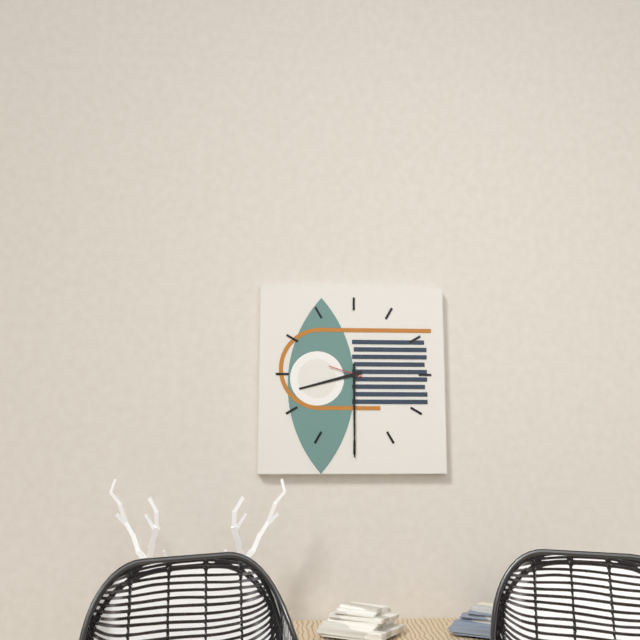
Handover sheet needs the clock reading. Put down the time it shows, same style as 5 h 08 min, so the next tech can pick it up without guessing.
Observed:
8 h 30 min
